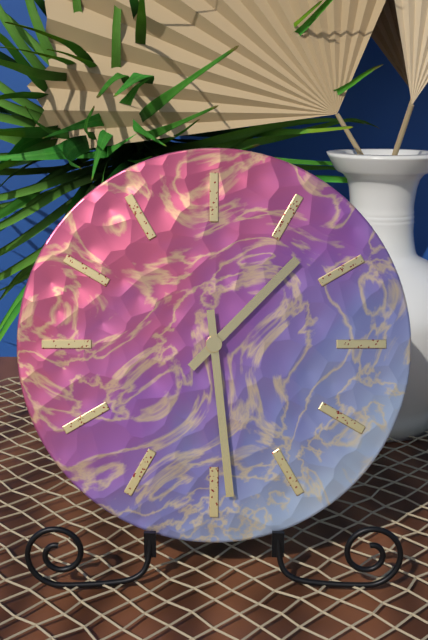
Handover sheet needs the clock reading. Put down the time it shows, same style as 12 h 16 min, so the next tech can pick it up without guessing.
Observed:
1 h 29 min
